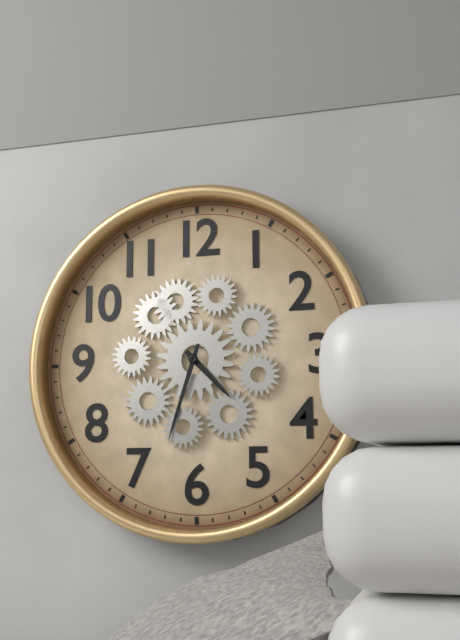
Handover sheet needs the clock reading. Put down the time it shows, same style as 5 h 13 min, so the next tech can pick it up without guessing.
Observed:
4 h 33 min
